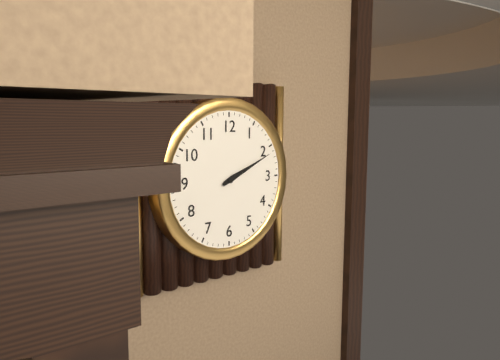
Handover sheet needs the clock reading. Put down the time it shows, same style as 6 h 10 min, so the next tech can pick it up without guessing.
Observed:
2 h 11 min
